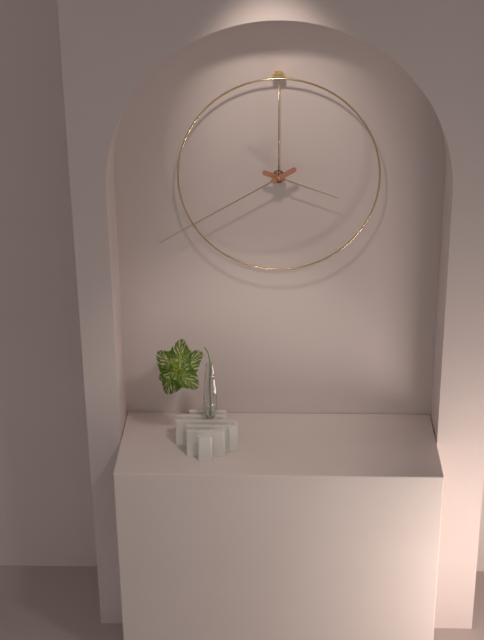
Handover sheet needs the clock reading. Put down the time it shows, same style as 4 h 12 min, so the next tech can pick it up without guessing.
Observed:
3 h 40 min
